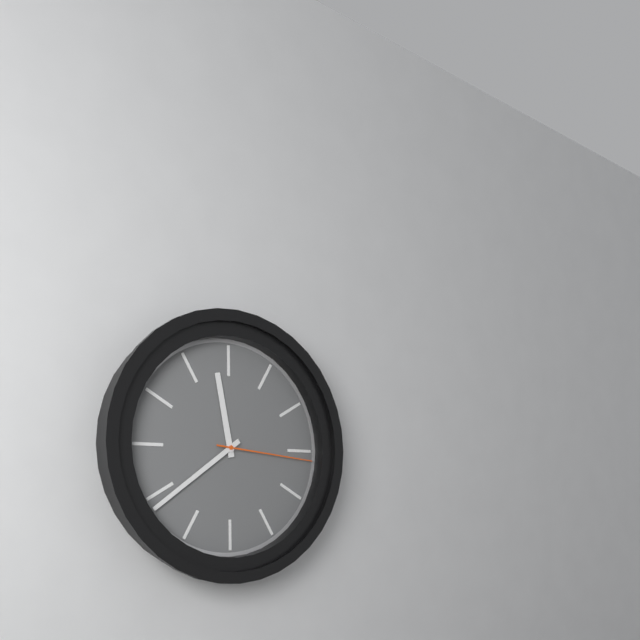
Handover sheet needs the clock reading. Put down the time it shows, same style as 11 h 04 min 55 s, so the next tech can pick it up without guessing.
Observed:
11 h 39 min 16 s
